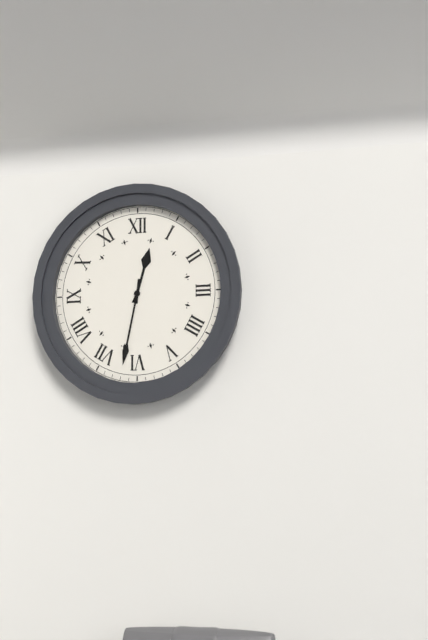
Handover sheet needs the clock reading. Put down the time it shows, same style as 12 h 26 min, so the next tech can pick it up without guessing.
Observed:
12 h 32 min
